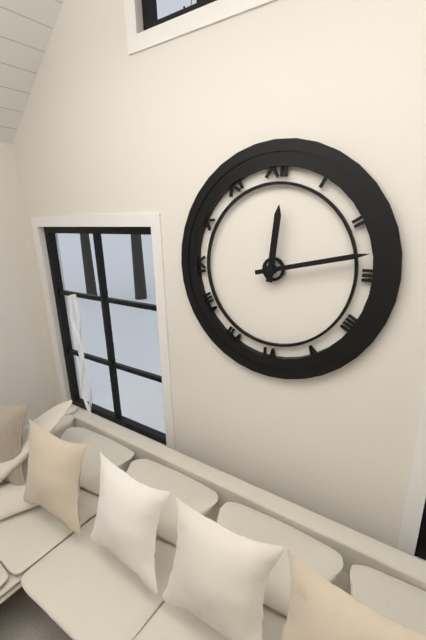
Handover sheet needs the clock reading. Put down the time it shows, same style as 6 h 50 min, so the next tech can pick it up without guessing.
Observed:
12 h 13 min
